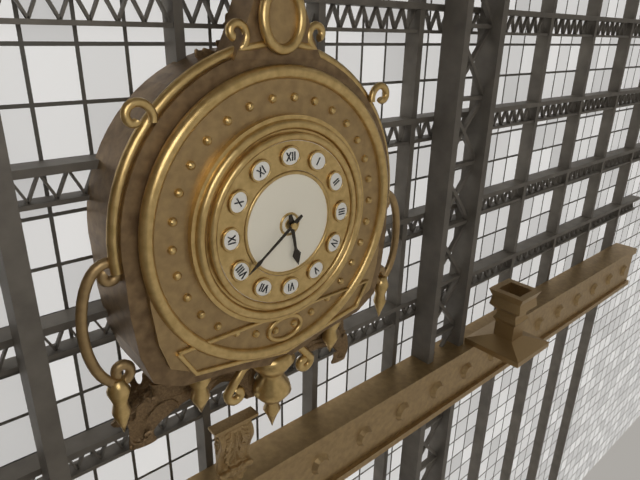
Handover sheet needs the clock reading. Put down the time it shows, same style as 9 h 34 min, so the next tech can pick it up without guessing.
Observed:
5 h 39 min
